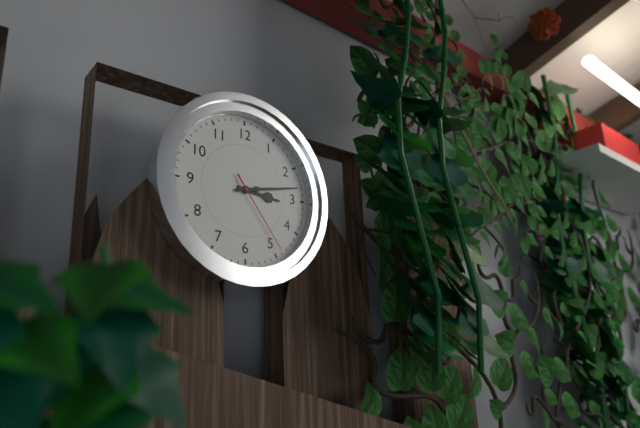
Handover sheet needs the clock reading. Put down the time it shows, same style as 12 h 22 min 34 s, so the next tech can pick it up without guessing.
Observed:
3 h 13 min 24 s
